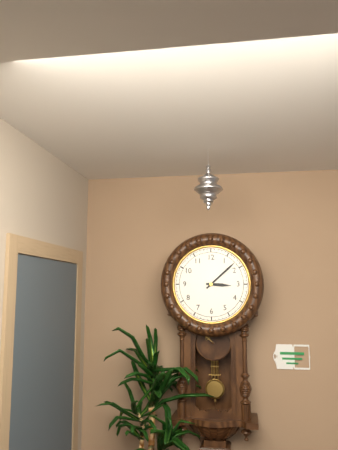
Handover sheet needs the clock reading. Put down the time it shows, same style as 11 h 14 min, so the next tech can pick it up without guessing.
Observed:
3 h 08 min
